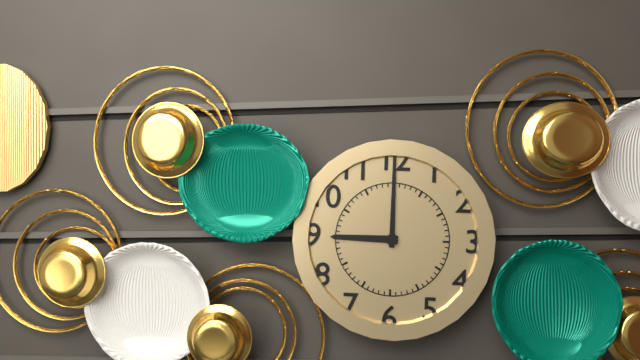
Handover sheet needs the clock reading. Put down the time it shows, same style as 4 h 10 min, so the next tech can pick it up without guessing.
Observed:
9 h 00 min
